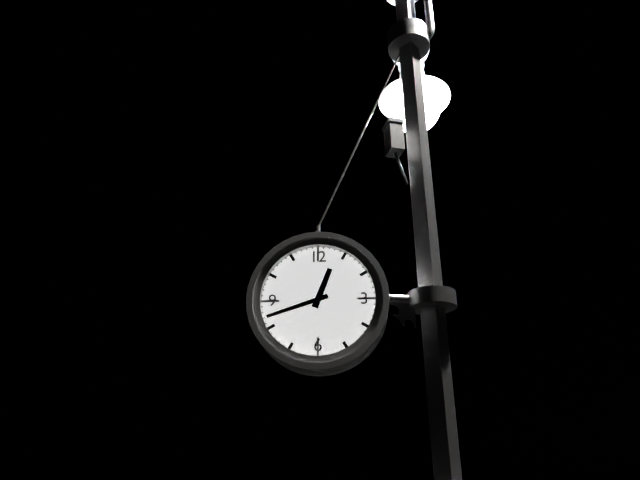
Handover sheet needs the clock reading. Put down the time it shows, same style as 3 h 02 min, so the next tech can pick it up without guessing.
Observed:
12 h 42 min
